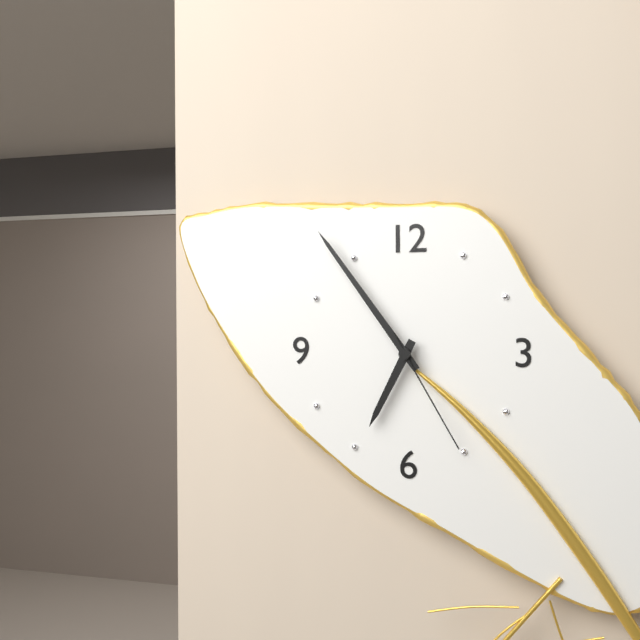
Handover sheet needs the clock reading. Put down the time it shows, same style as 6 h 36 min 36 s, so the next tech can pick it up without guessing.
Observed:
6 h 54 min 25 s
